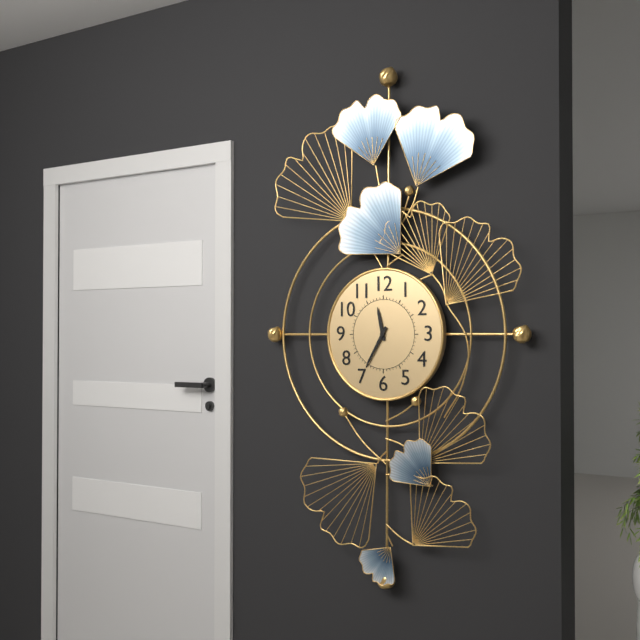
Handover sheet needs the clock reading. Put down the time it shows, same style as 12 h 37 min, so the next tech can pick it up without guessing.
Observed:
11 h 35 min
